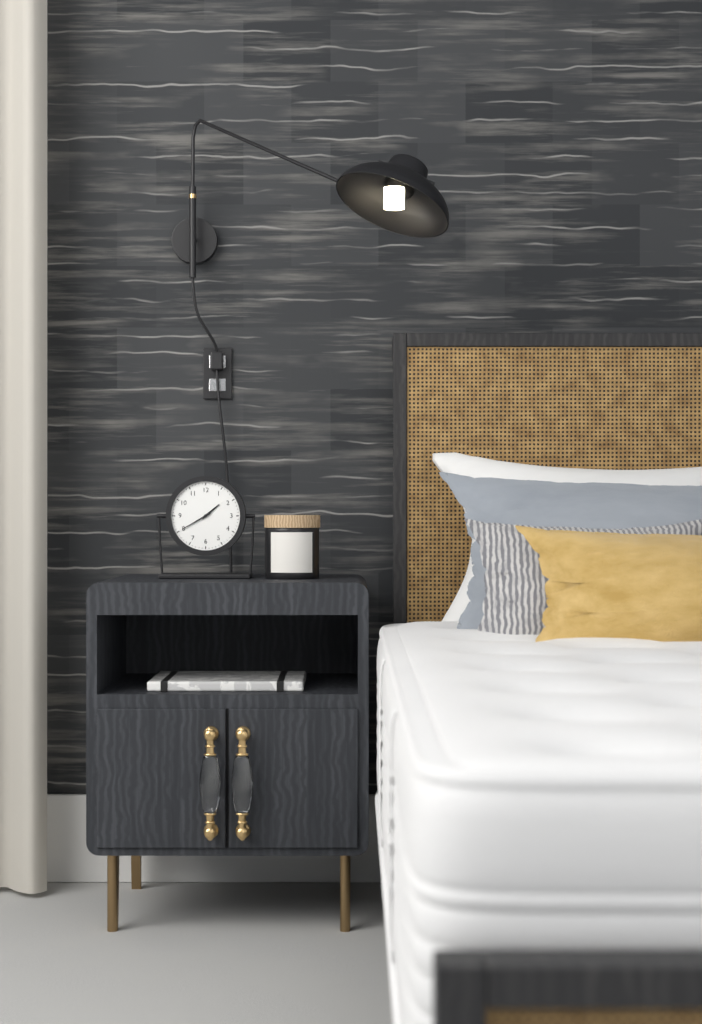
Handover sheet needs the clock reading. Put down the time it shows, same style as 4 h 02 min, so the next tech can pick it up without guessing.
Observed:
1 h 40 min
